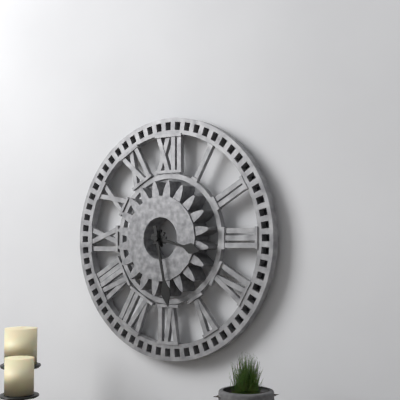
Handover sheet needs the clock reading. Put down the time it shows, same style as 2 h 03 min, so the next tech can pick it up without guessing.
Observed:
3 h 28 min
